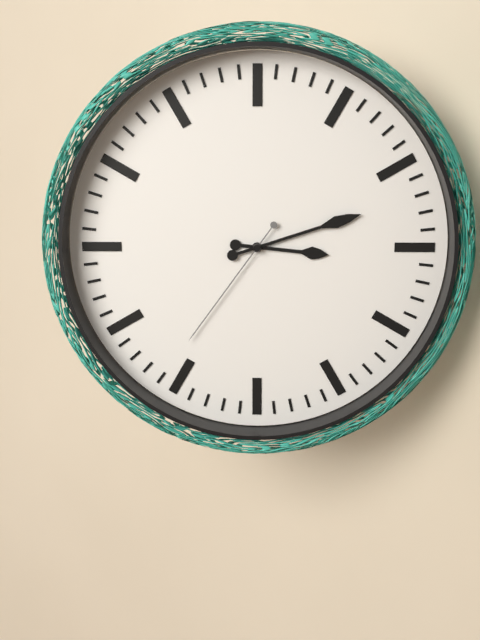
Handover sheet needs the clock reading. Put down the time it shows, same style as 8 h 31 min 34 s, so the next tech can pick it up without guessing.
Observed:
3 h 12 min 36 s
